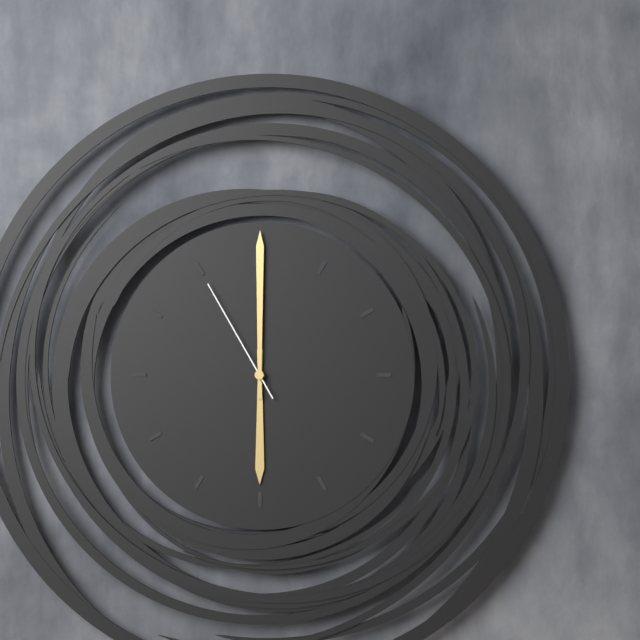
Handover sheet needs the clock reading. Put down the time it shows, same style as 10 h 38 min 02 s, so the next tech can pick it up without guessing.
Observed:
6 h 00 min 55 s
